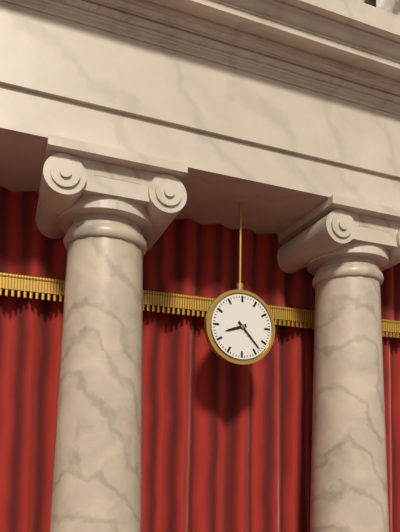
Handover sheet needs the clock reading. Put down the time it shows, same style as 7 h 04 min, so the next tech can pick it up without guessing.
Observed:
8 h 23 min
